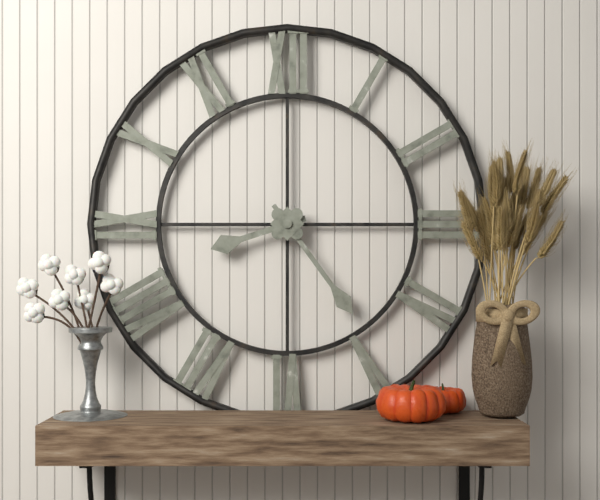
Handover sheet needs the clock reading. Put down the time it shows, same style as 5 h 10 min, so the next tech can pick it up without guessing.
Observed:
8 h 24 min
